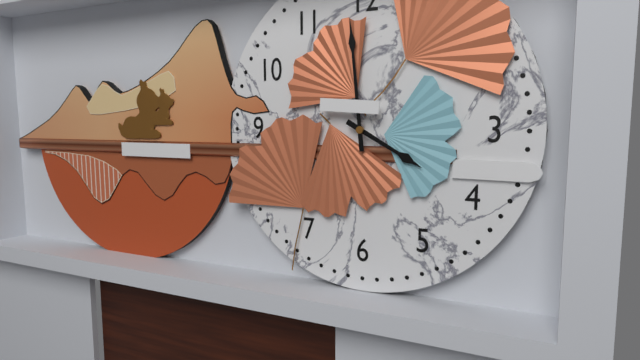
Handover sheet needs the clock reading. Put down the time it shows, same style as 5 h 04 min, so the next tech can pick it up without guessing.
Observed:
3 h 59 min
